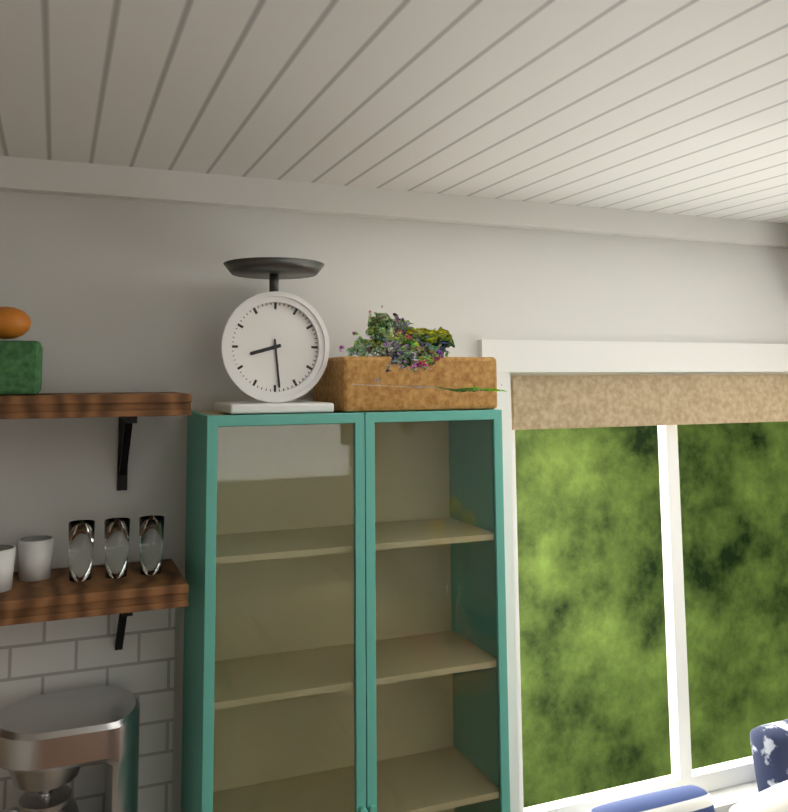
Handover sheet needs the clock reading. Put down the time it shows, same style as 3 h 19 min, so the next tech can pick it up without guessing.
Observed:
8 h 29 min
